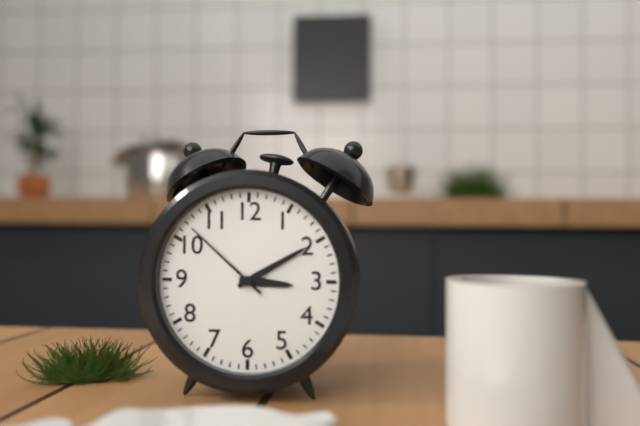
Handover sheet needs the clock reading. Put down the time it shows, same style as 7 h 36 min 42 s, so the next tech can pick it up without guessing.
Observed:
3 h 10 min 52 s
